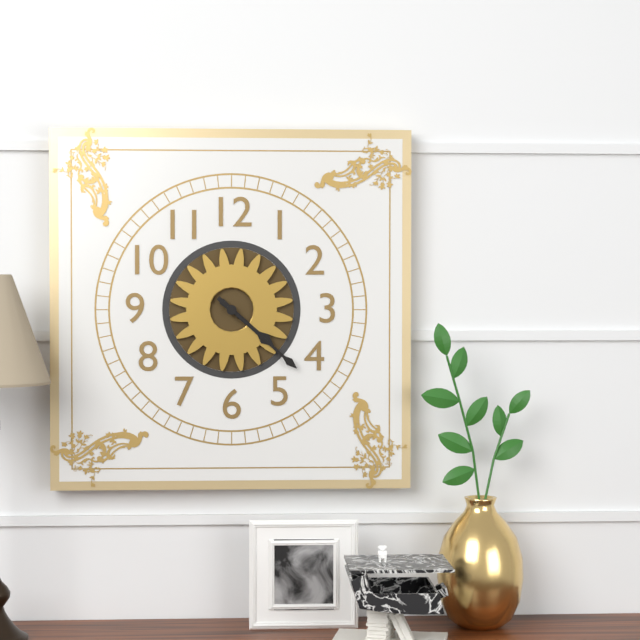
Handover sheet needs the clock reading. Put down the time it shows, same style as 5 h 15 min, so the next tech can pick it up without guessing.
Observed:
4 h 22 min
